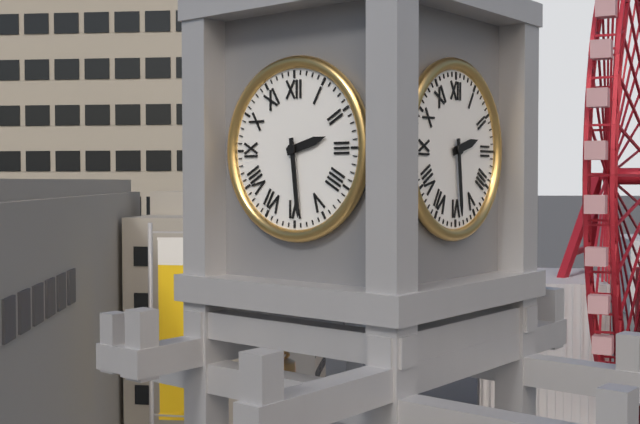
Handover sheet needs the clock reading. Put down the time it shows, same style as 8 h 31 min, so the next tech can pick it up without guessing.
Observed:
2 h 29 min
